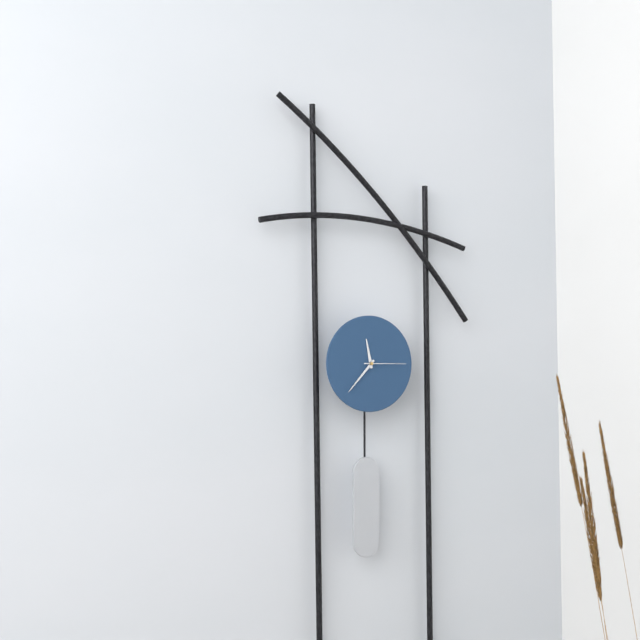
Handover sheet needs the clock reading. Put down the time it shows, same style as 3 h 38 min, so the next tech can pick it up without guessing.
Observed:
11 h 37 min
